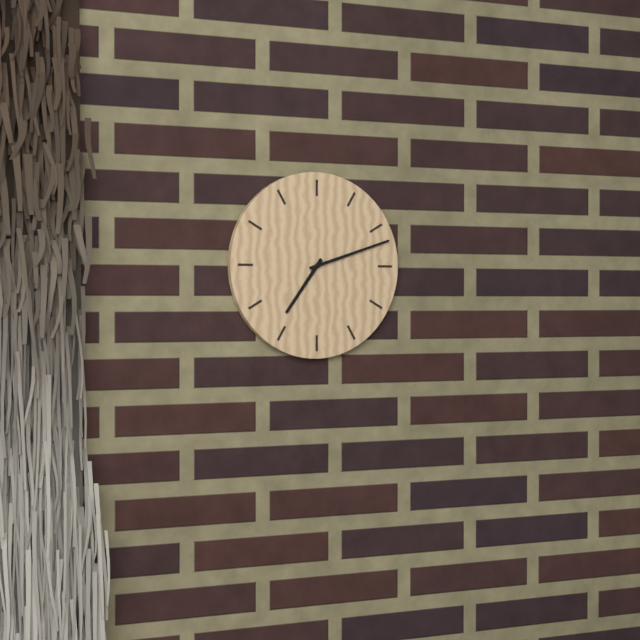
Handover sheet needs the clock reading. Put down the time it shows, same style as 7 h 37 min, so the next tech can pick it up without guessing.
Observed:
7 h 12 min
